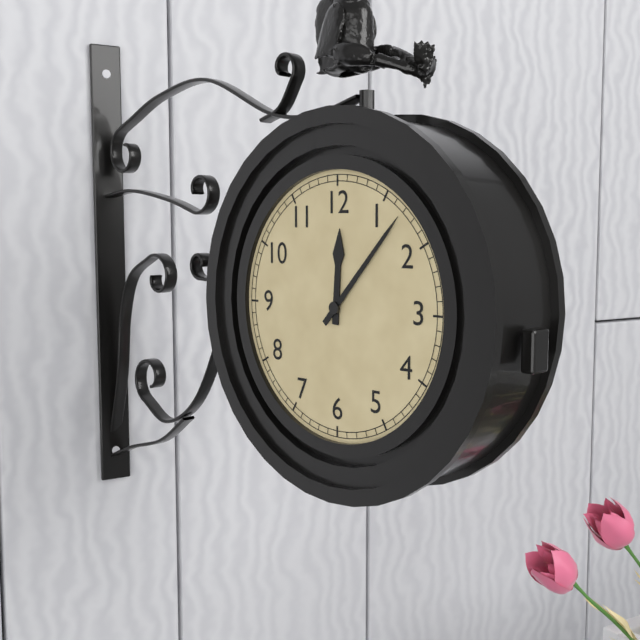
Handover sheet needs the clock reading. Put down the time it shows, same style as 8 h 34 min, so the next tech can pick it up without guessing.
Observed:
12 h 07 min
